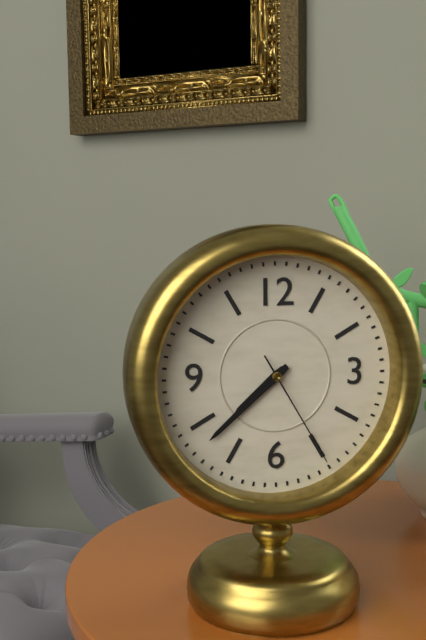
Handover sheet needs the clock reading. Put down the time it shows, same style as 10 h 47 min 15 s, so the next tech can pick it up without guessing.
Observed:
7 h 38 min 25 s
